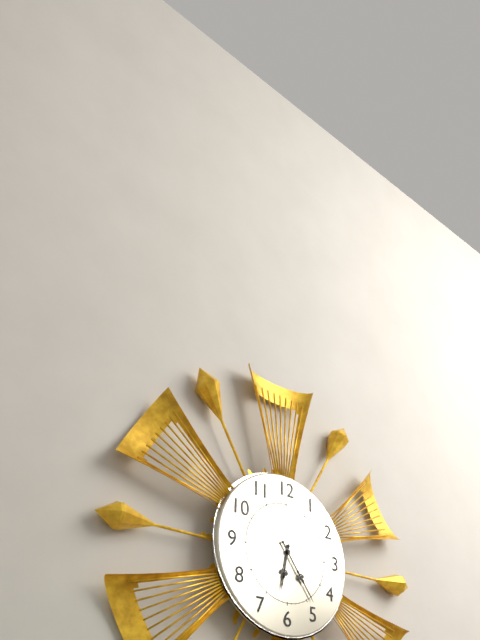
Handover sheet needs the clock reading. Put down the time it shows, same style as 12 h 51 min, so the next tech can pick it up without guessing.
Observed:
6 h 24 min
